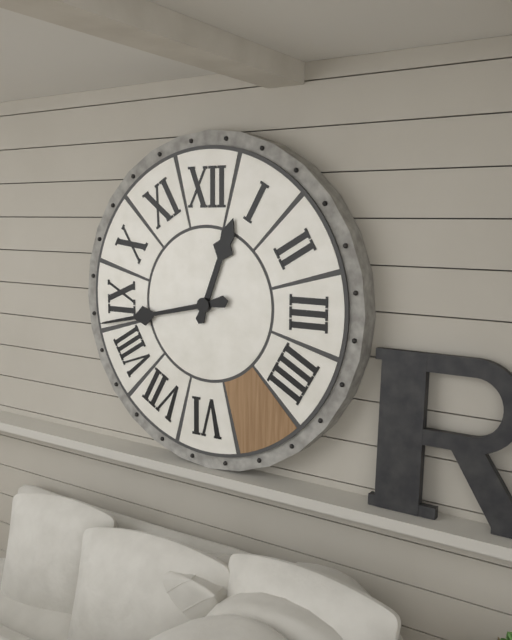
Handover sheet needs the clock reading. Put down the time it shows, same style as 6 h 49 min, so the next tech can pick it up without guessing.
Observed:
12 h 43 min
